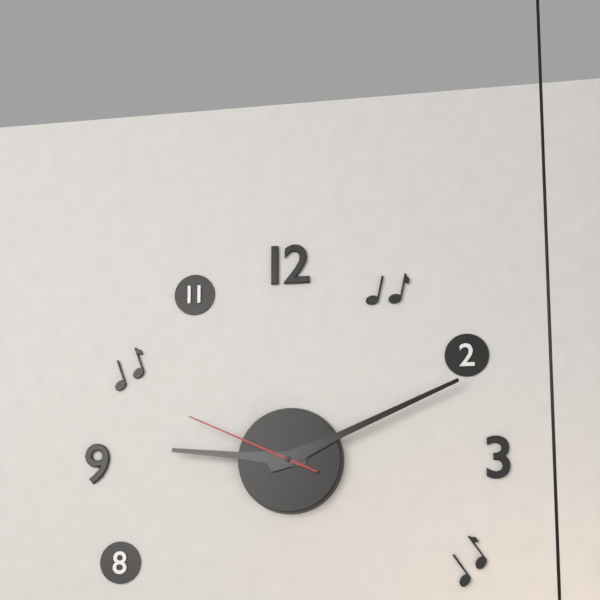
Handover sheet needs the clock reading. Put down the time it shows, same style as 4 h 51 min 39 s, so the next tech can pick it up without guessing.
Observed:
9 h 11 min 49 s
